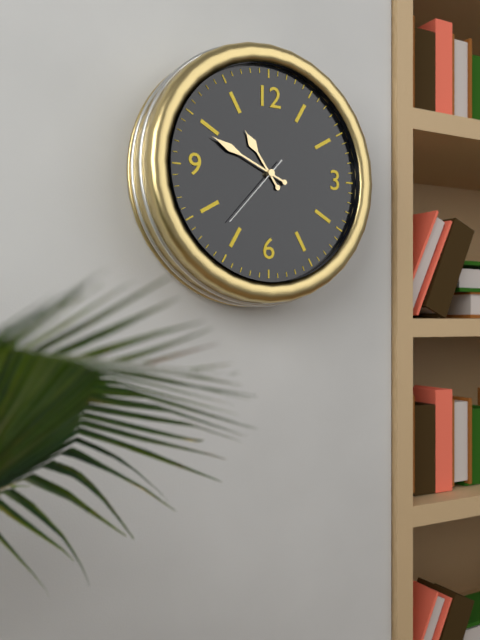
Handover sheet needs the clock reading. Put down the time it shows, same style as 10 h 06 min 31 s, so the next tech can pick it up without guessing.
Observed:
10 h 49 min 37 s
